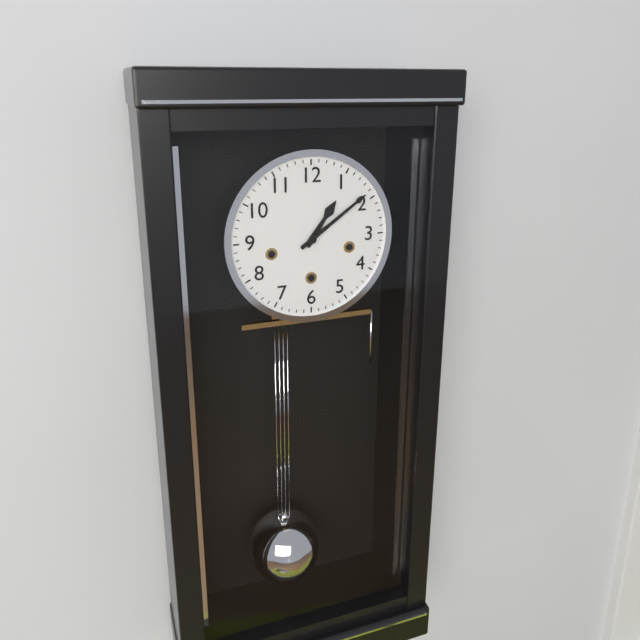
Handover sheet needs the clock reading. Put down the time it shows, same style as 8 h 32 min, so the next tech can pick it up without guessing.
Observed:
1 h 09 min
